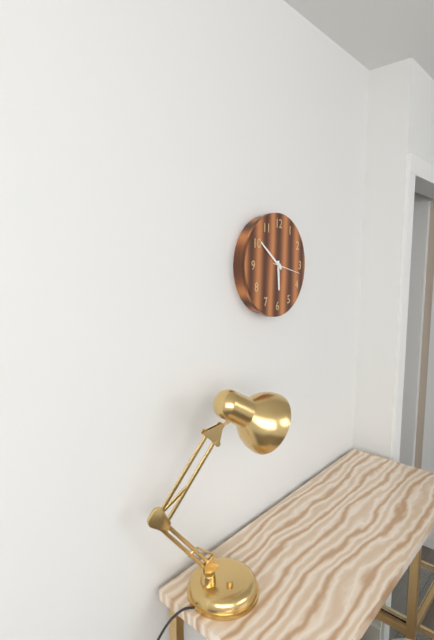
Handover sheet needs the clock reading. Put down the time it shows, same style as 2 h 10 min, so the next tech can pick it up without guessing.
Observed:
5 h 51 min
